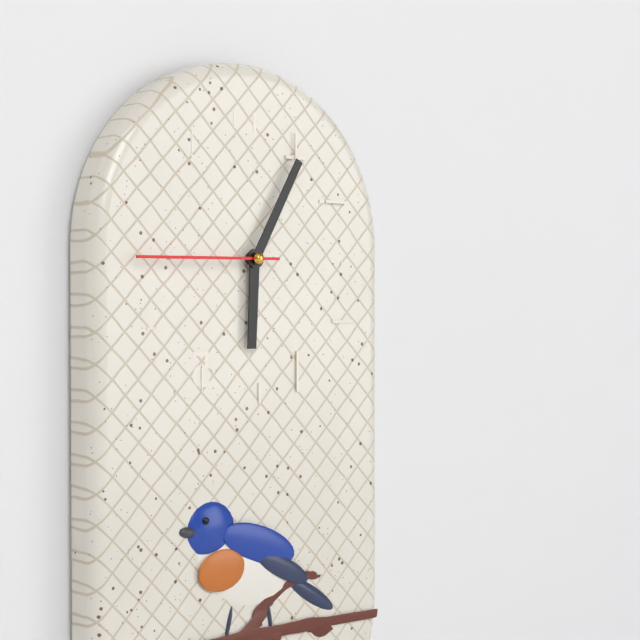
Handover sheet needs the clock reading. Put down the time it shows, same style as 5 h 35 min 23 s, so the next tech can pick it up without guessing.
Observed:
6 h 05 min 45 s
